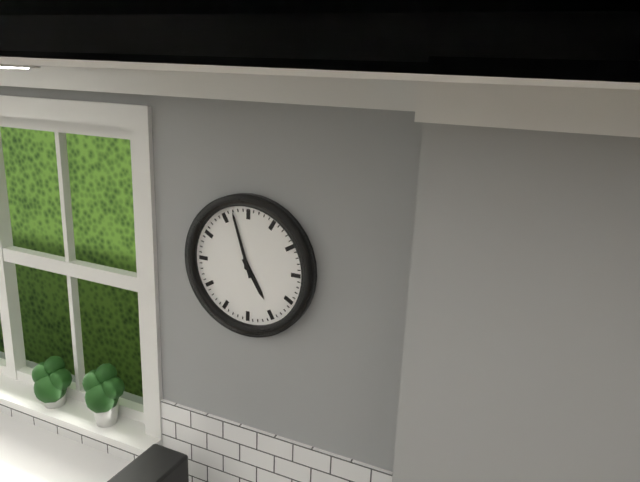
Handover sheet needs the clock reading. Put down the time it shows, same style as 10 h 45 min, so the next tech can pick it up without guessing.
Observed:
4 h 57 min
